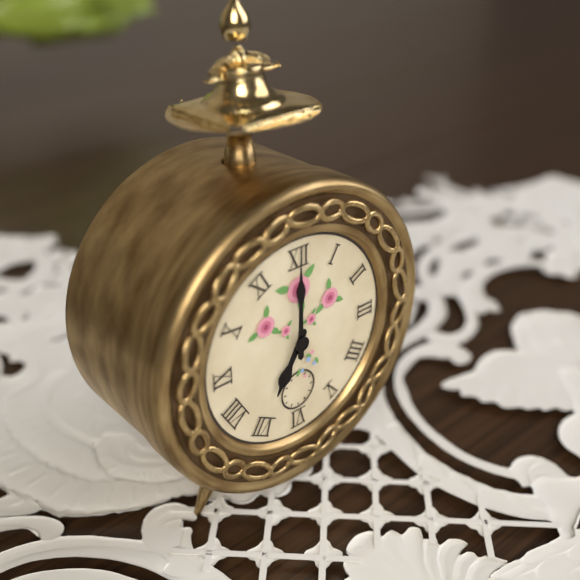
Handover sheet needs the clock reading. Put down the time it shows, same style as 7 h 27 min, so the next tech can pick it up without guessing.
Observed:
7 h 00 min
